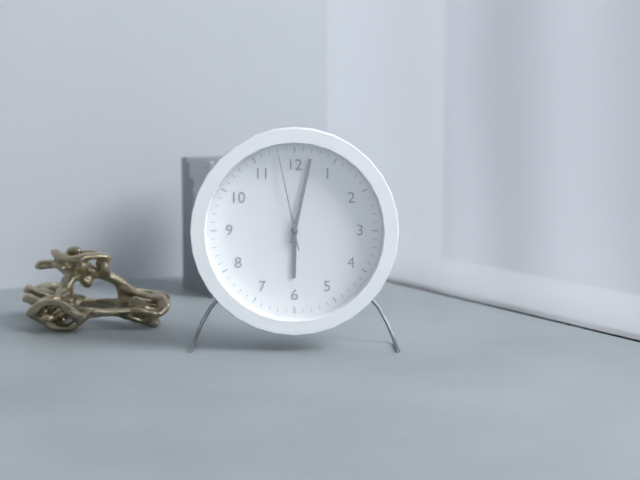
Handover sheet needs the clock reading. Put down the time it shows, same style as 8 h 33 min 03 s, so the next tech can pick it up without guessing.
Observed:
6 h 02 min 58 s
